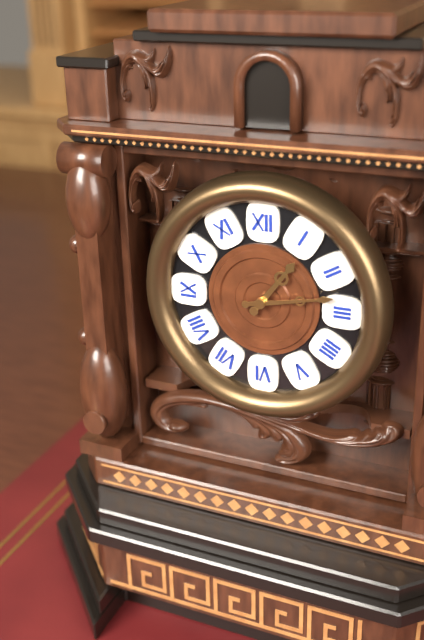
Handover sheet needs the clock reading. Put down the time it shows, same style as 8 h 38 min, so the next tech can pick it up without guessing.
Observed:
1 h 13 min
